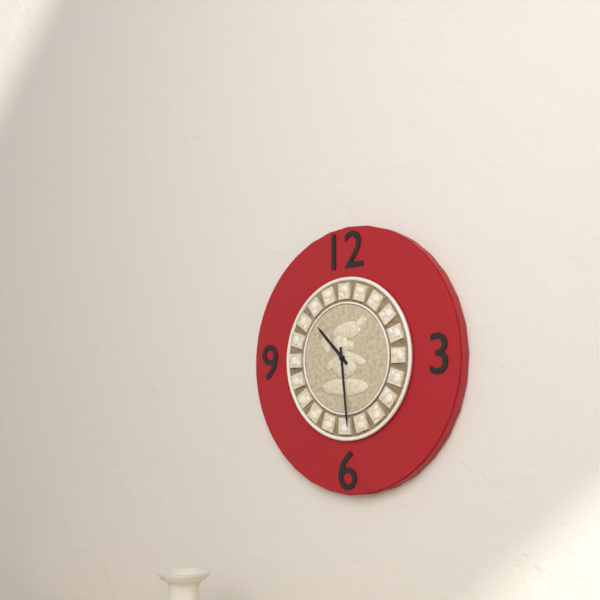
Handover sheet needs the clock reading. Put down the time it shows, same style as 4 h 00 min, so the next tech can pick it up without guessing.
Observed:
10 h 29 min
